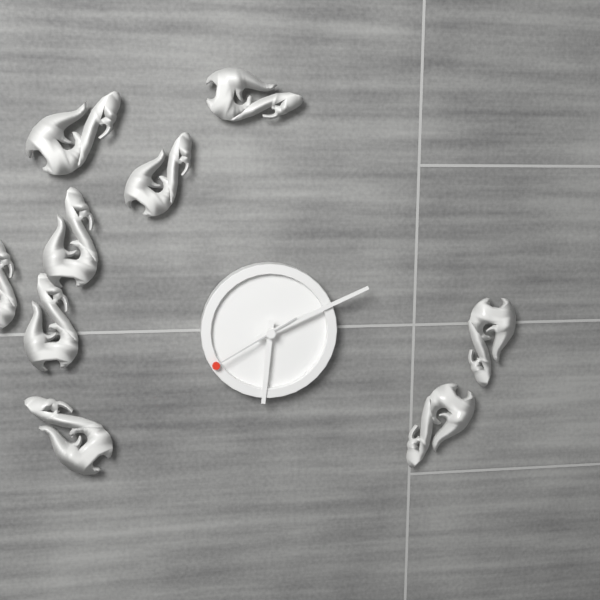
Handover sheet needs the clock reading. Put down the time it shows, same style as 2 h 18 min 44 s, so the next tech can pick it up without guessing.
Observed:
6 h 11 min 40 s
